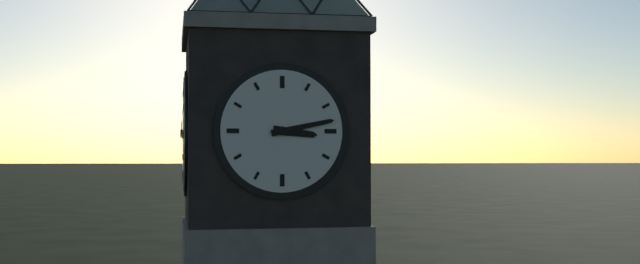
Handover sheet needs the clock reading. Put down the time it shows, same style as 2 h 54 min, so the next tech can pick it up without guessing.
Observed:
3 h 13 min
